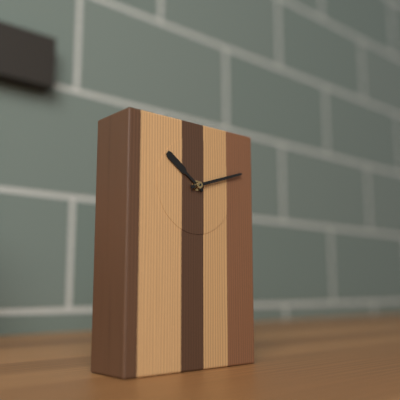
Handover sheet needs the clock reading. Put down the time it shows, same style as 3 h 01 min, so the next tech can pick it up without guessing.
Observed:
10 h 12 min
